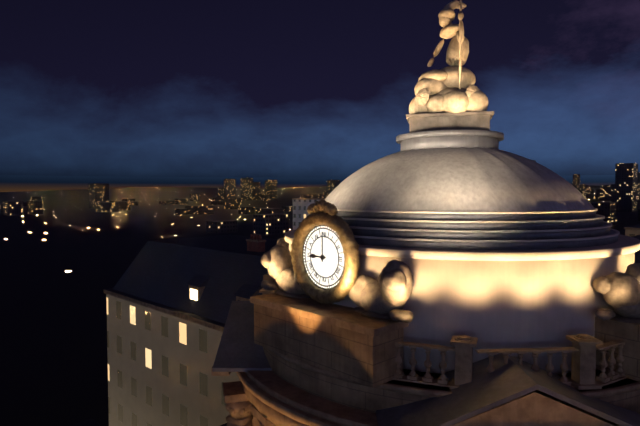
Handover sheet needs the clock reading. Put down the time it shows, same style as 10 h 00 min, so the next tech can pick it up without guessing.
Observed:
9 h 00 min
